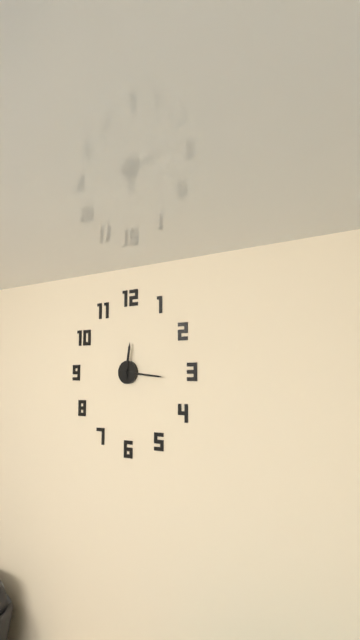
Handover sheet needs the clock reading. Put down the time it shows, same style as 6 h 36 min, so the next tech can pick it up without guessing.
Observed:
12 h 16 min
